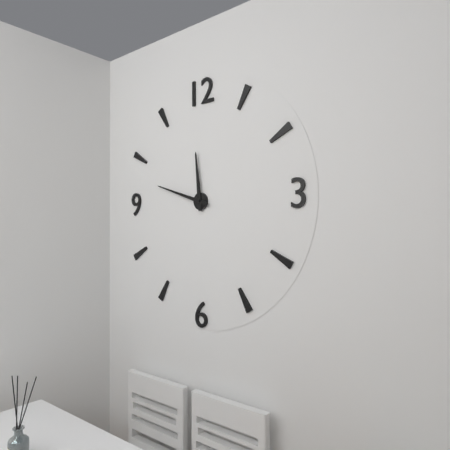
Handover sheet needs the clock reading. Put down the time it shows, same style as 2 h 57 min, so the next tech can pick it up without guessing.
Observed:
11 h 48 min
